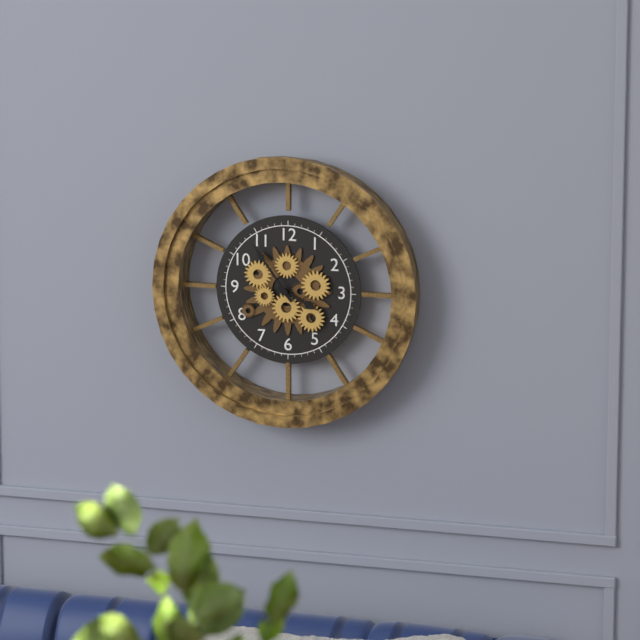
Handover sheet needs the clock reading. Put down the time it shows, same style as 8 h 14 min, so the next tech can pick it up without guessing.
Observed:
3 h 54 min
